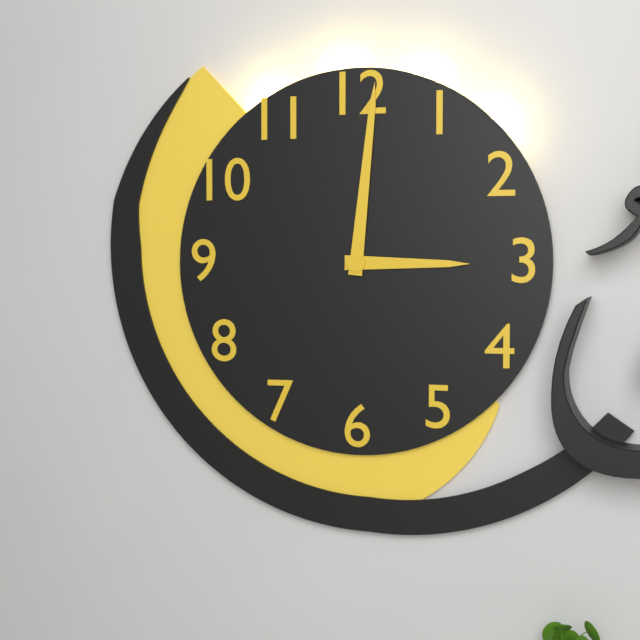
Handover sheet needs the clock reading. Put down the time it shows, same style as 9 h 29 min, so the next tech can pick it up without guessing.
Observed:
3 h 01 min
